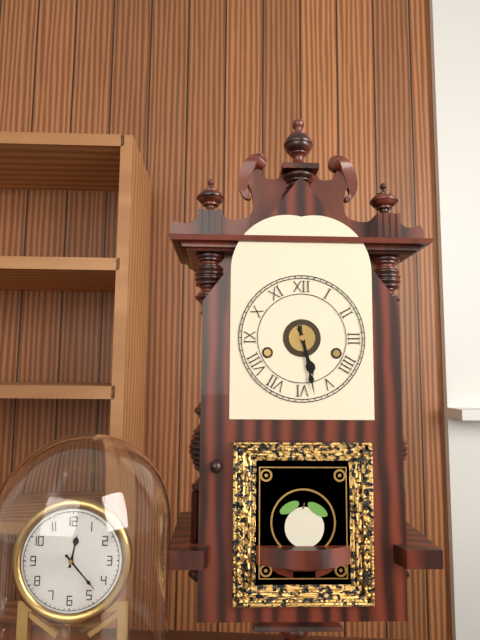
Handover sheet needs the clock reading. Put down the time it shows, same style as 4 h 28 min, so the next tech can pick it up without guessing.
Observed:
5 h 28 min
